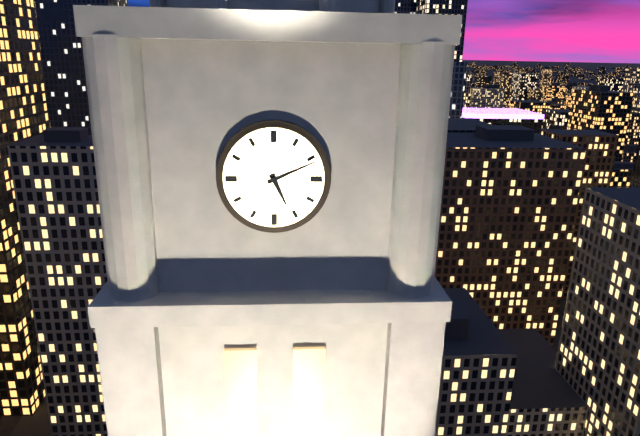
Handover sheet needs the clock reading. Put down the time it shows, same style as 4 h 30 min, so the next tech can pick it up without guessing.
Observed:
5 h 11 min
